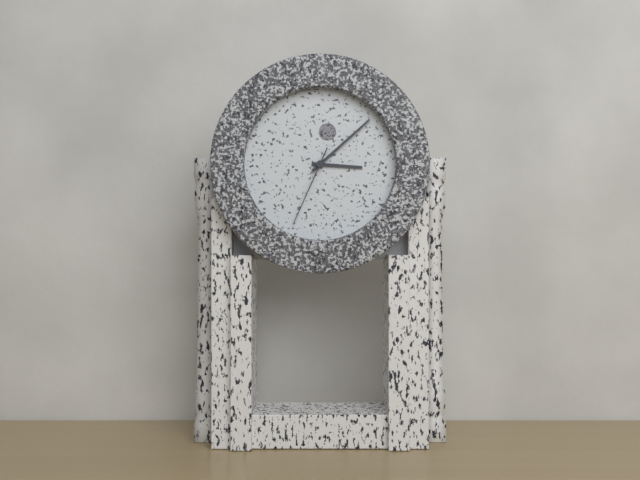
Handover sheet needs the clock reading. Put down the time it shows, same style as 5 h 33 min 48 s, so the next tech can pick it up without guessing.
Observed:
3 h 08 min 34 s
